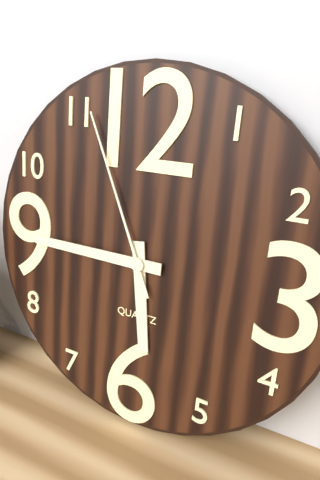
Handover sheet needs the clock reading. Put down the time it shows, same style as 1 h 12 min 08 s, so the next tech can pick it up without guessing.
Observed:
5 h 45 min 56 s
